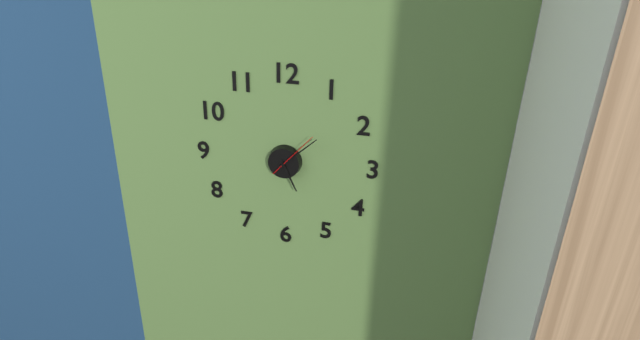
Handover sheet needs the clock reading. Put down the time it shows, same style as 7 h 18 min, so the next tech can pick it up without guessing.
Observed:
5 h 08 min
